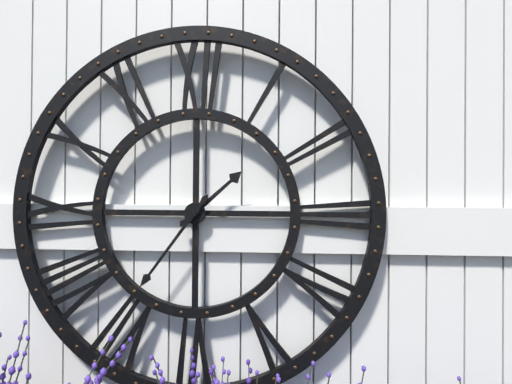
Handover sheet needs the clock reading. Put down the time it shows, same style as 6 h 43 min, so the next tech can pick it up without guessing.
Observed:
1 h 36 min
